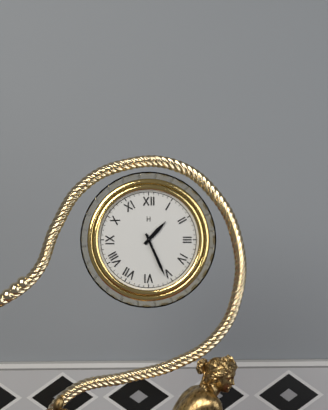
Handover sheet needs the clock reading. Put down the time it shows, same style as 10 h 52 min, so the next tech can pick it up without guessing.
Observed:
1 h 26 min
